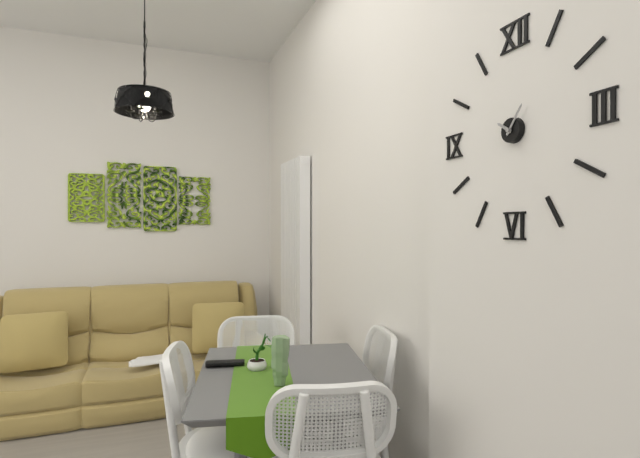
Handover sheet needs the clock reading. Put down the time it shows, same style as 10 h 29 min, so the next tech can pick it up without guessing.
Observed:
10 h 06 min
